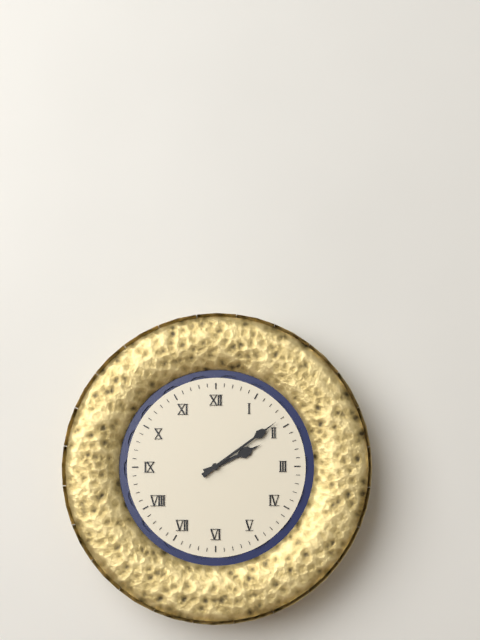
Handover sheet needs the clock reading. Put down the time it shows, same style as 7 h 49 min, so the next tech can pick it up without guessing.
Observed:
2 h 09 min
